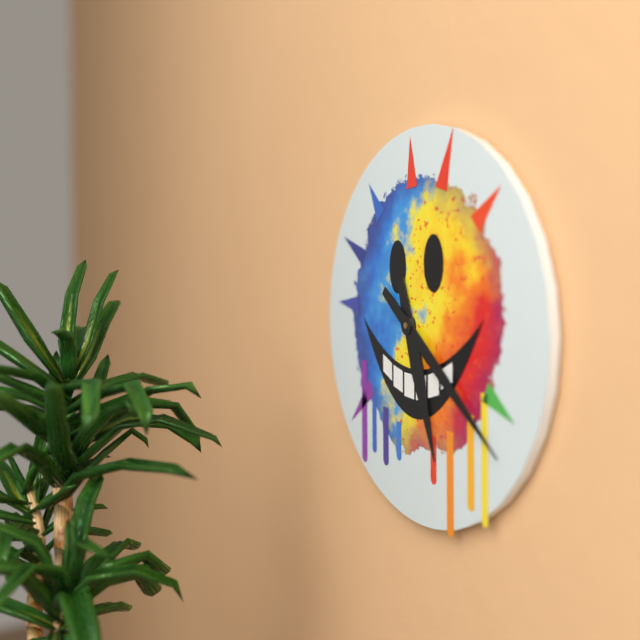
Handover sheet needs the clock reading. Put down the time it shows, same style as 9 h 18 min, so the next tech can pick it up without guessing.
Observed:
5 h 21 min
